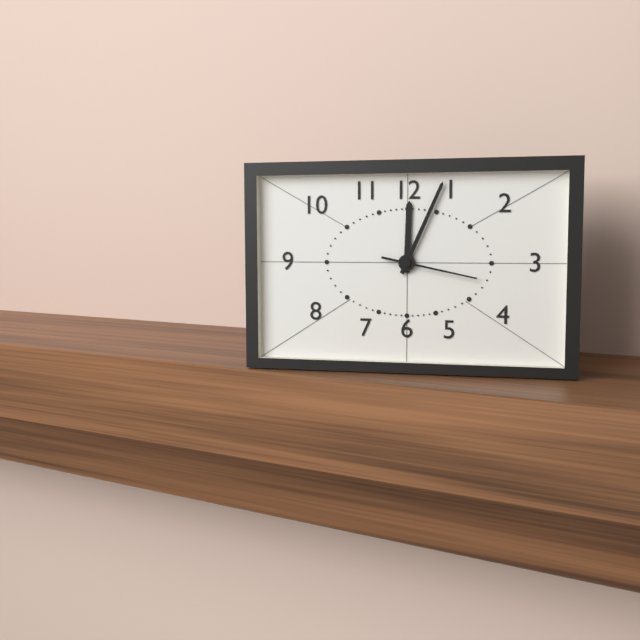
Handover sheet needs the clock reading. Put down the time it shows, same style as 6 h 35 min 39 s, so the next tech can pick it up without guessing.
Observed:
12 h 04 min 17 s
